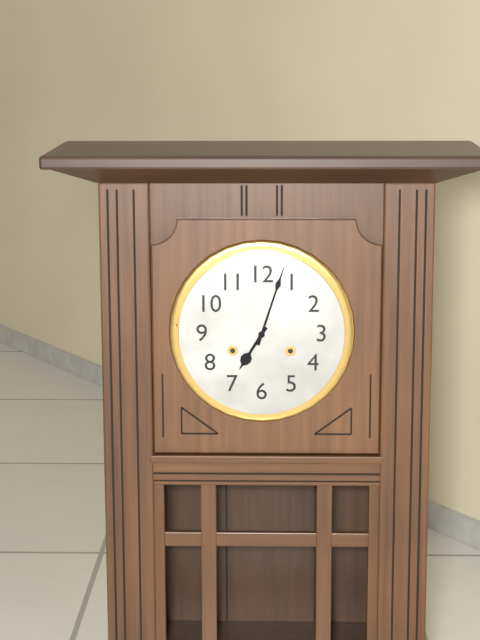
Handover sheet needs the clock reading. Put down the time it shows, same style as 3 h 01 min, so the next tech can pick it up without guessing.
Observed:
7 h 03 min
